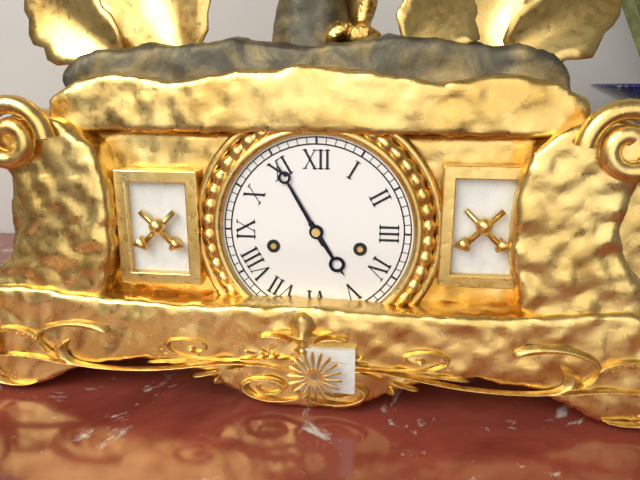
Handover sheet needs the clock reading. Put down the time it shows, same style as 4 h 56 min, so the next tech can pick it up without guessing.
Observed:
4 h 55 min
